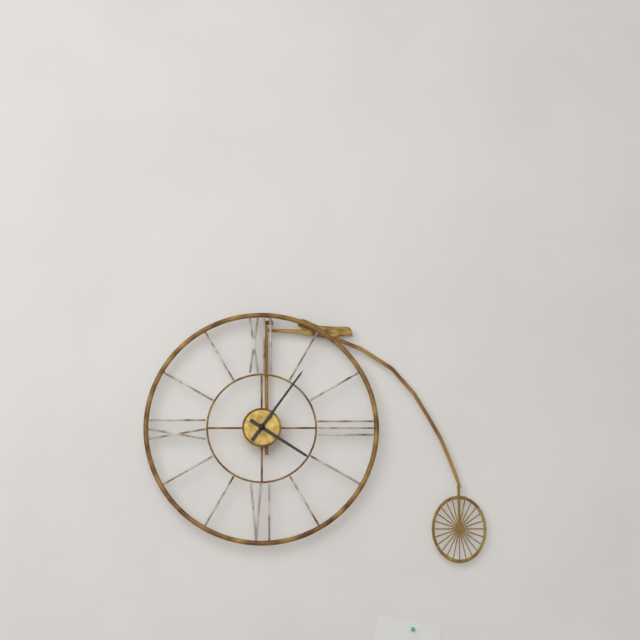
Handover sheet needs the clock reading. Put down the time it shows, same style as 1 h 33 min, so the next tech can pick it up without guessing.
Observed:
4 h 06 min
